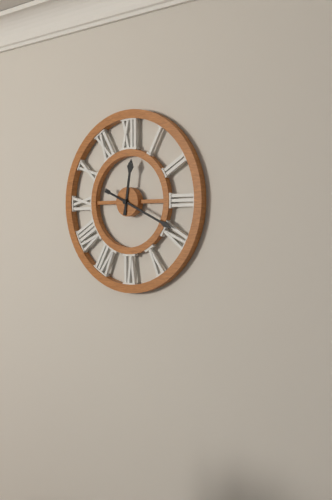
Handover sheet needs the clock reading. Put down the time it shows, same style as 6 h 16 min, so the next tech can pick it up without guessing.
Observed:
12 h 19 min
